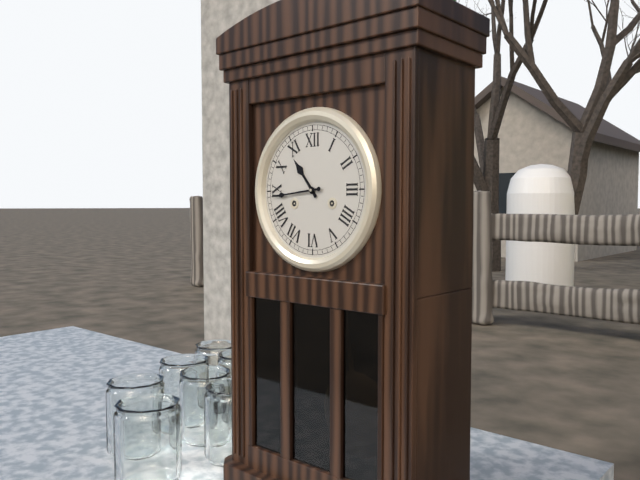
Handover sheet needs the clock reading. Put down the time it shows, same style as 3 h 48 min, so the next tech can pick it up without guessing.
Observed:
10 h 44 min
